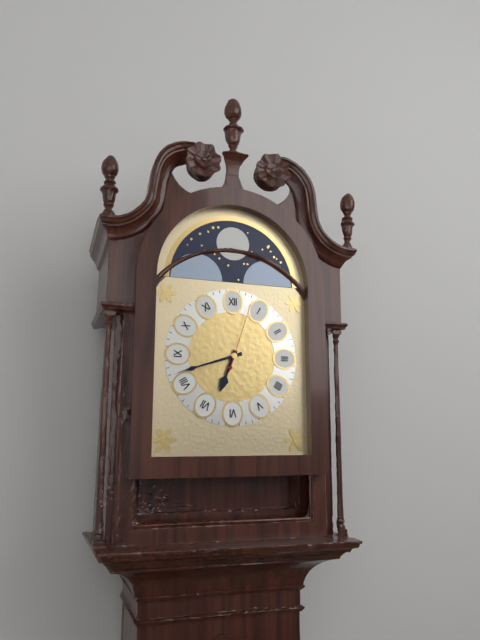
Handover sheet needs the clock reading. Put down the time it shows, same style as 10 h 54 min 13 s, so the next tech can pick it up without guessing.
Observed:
6 h 42 min 03 s
